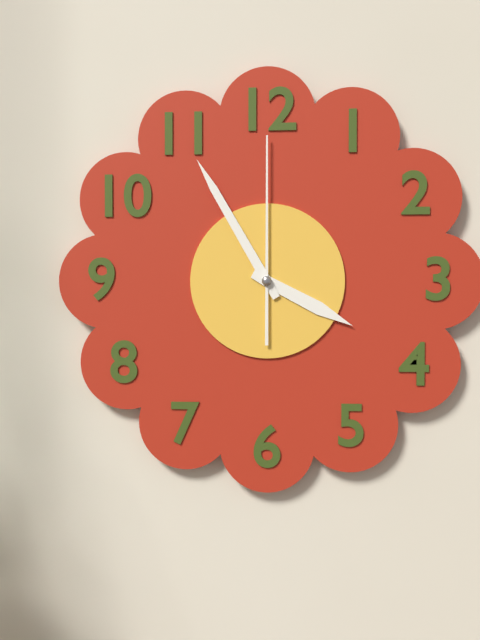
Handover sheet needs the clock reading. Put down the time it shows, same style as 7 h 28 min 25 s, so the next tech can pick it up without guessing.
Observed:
3 h 55 min 00 s
